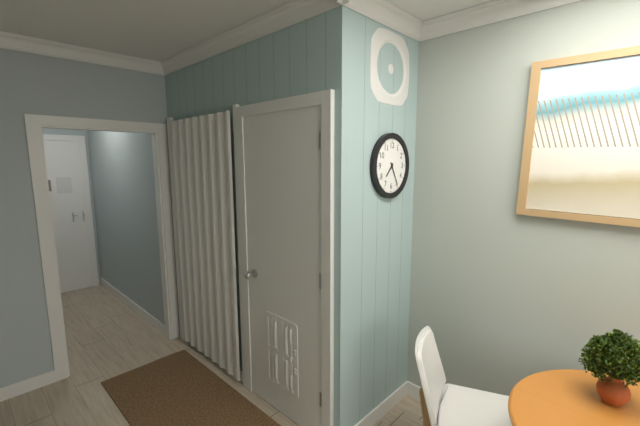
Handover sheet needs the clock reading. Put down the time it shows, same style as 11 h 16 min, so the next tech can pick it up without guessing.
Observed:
7 h 25 min
